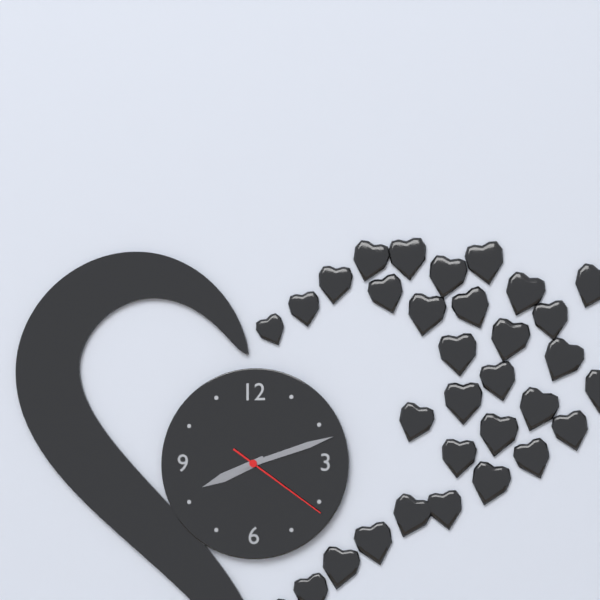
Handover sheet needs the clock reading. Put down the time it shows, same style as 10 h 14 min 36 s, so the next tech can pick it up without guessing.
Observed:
8 h 12 min 21 s
